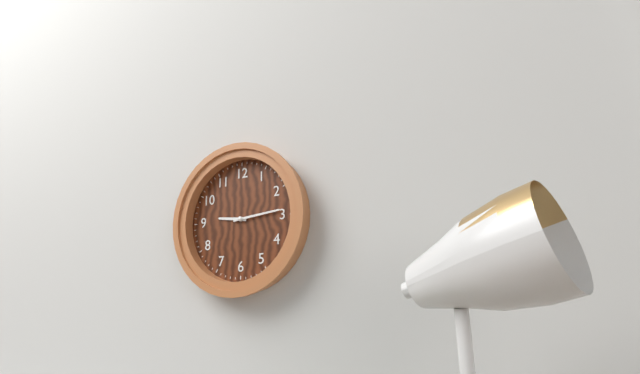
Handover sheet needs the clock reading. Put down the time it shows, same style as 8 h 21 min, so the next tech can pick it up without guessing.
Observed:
9 h 14 min
